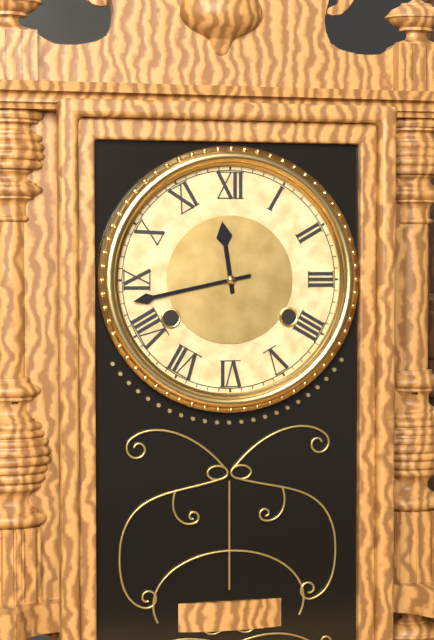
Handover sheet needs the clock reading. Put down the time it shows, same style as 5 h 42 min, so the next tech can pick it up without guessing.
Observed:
11 h 43 min
